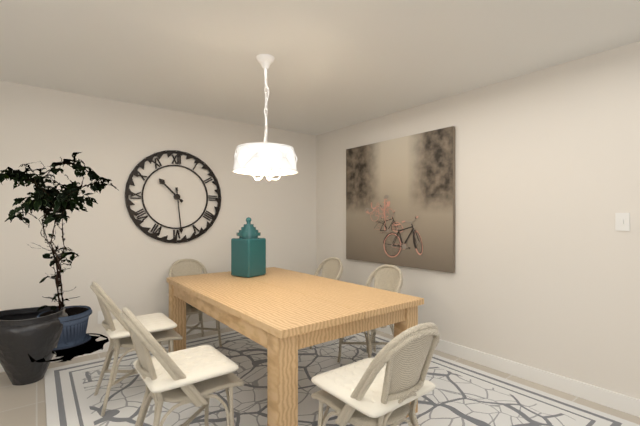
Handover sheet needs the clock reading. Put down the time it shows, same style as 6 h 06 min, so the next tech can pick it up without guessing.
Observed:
10 h 29 min
